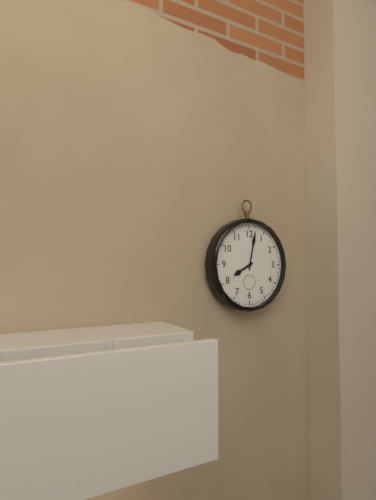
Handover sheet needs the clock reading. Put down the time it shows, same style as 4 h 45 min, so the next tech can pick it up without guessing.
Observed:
8 h 02 min
